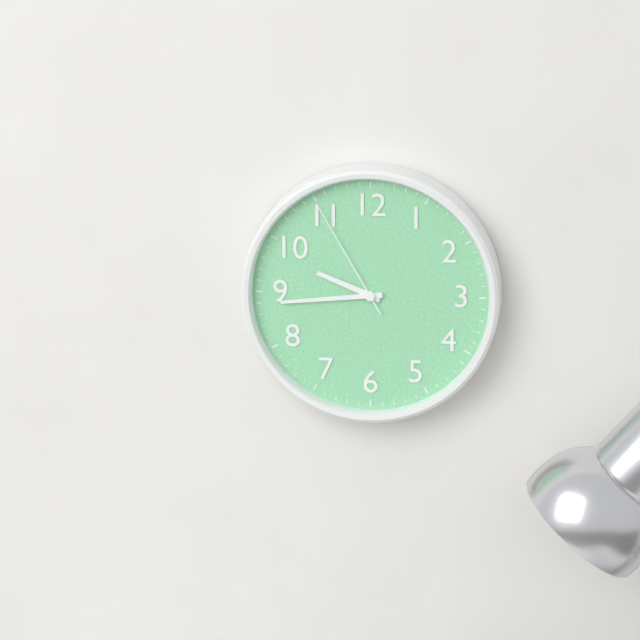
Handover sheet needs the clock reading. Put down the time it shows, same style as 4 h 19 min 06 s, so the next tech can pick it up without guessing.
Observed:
9 h 44 min 55 s
